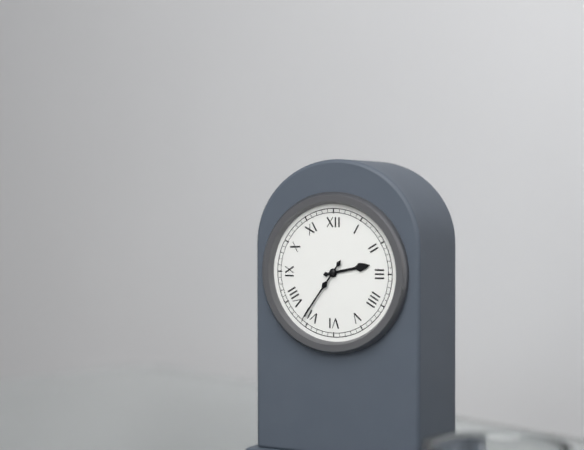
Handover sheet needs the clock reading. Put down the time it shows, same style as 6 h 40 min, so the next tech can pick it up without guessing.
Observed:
2 h 36 min
